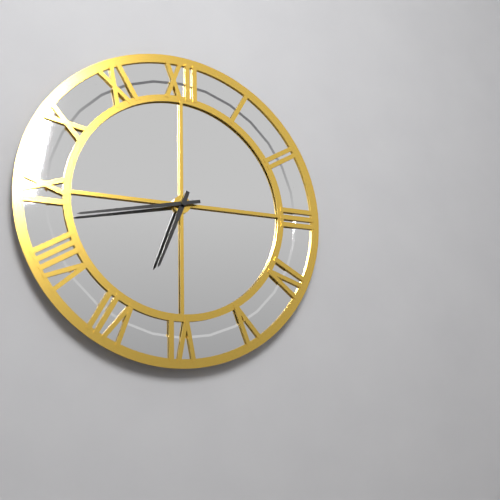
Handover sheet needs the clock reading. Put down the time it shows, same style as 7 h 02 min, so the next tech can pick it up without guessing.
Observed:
6 h 43 min
